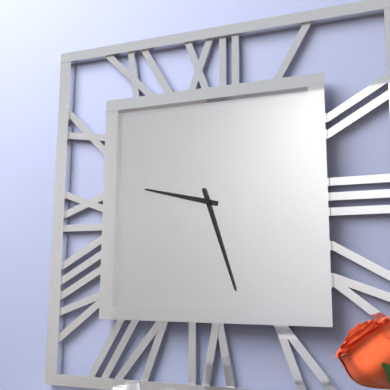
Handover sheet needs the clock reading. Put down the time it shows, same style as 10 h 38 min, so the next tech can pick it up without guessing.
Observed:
9 h 27 min
